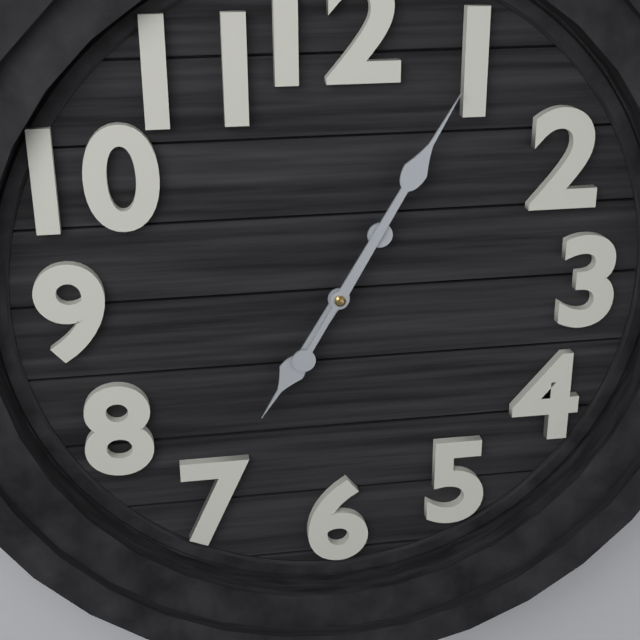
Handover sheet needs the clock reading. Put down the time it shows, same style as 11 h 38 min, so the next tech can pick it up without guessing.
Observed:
7 h 05 min
